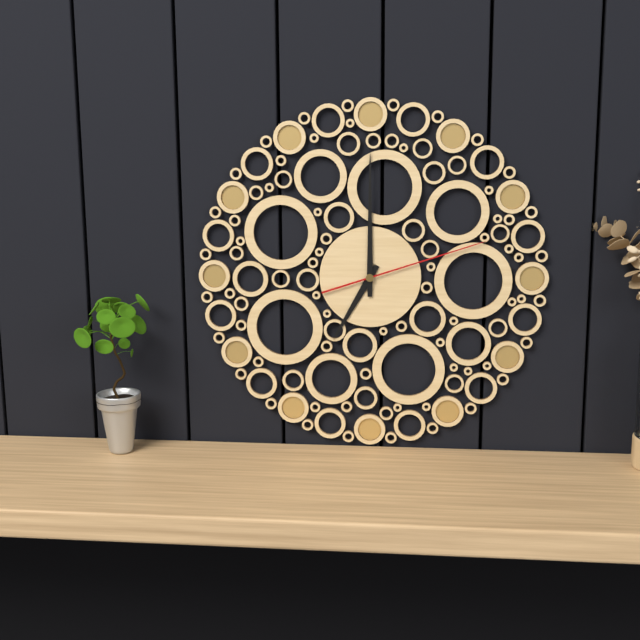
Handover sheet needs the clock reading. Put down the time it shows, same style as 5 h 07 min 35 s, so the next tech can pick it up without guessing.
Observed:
7 h 00 min 12 s
